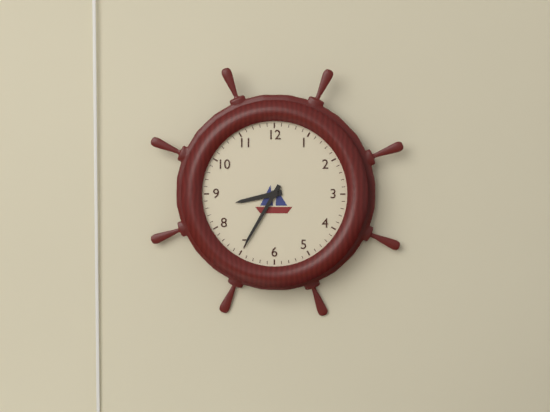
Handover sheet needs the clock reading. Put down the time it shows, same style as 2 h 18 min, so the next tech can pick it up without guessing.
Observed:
8 h 35 min
